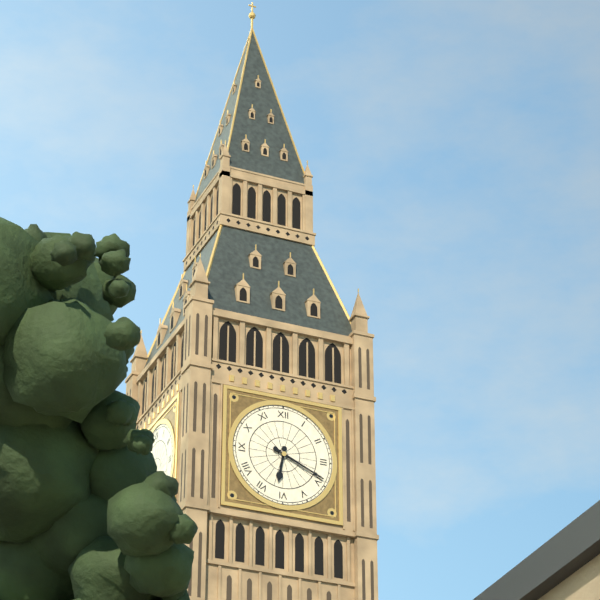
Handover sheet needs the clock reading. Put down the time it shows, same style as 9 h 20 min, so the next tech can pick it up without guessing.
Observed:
6 h 19 min
